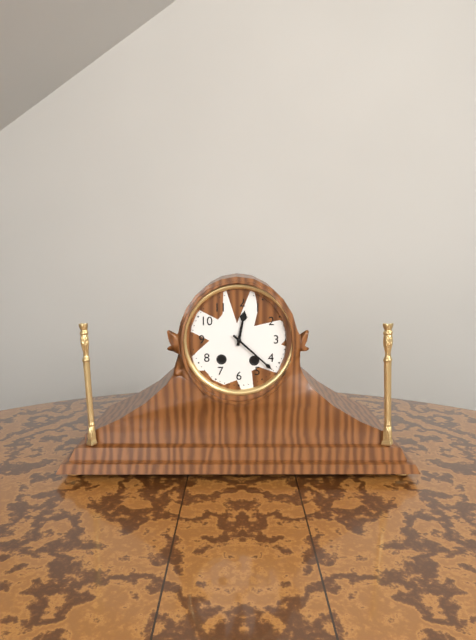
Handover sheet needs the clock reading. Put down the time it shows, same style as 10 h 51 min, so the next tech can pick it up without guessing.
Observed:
12 h 22 min
